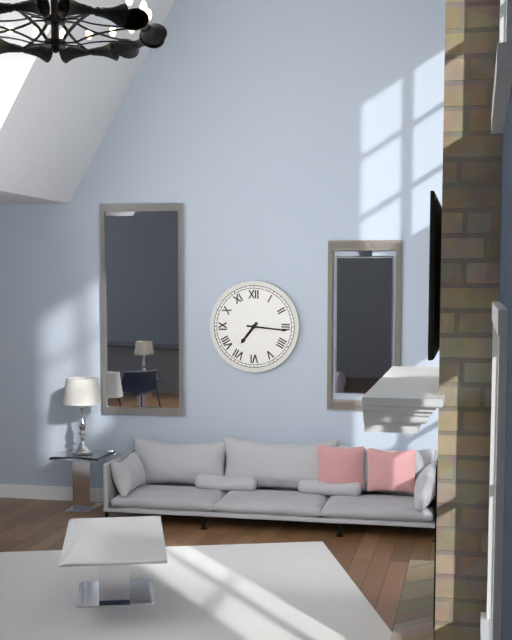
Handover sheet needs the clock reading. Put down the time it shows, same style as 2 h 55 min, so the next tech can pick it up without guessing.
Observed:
7 h 16 min
